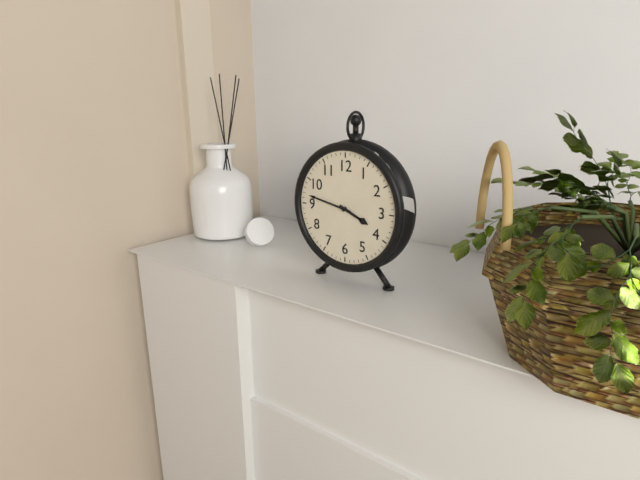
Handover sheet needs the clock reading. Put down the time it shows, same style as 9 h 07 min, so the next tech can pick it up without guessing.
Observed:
3 h 47 min
